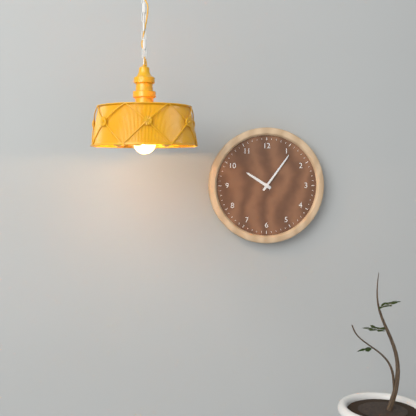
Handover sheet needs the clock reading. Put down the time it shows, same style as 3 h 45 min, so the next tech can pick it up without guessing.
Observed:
10 h 06 min
